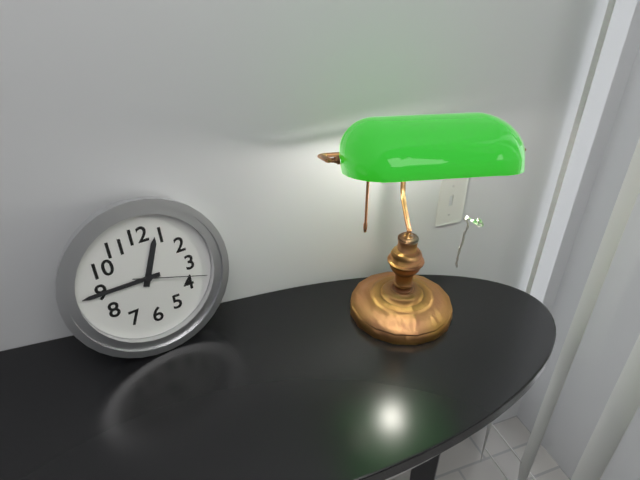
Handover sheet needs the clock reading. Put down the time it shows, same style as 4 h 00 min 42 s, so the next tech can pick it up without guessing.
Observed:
12 h 45 min 18 s
